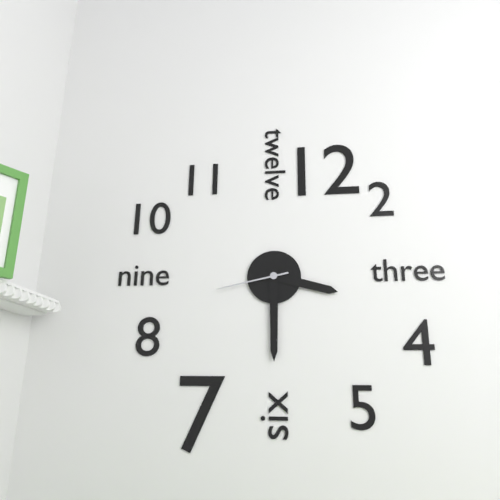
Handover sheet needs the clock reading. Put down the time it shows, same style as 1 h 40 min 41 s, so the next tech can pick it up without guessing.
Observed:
3 h 30 min 43 s
